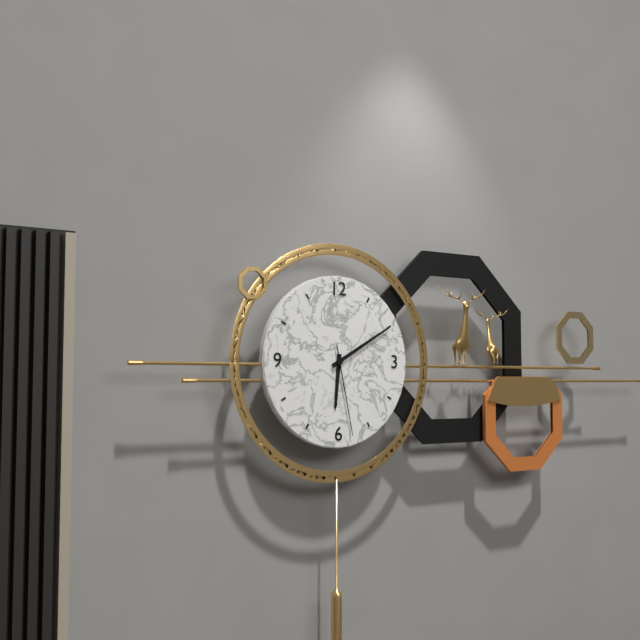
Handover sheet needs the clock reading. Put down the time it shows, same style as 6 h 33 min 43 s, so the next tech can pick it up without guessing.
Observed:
6 h 10 min 28 s
